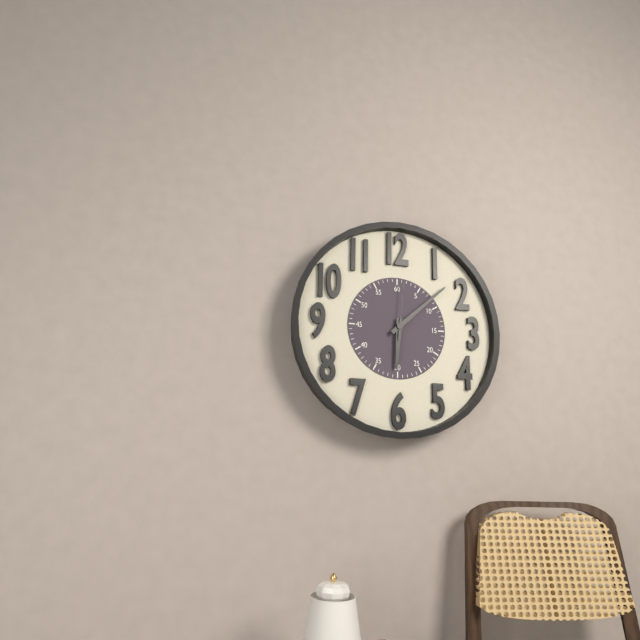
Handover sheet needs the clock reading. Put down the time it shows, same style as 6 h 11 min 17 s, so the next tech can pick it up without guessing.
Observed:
6 h 08 min 01 s
